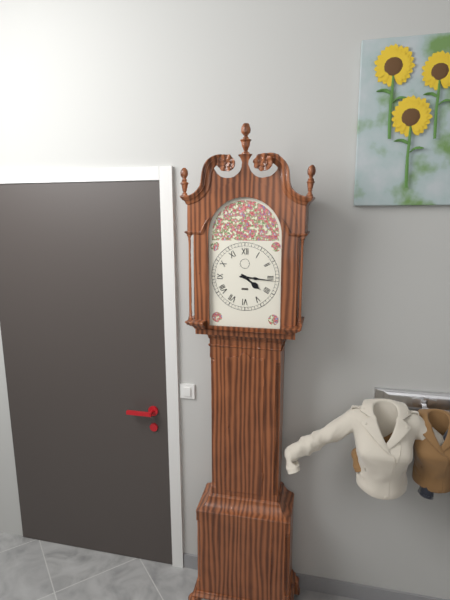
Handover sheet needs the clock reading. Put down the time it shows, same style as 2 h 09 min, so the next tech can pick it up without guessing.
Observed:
4 h 16 min
